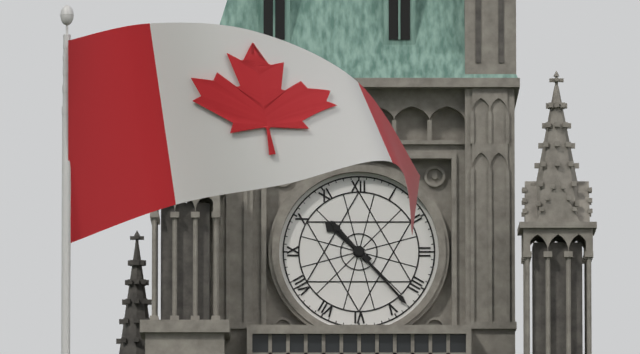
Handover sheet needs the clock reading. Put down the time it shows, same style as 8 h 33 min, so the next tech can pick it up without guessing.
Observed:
10 h 23 min
